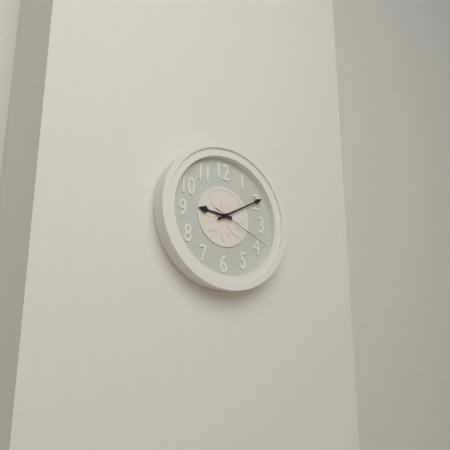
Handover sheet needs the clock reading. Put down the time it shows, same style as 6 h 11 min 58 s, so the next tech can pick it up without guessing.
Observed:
9 h 10 min 19 s
